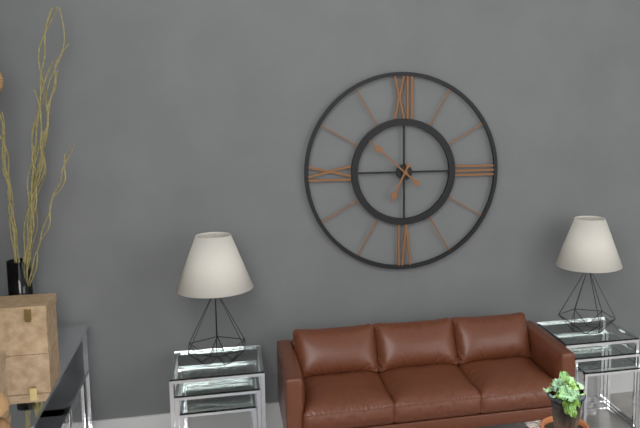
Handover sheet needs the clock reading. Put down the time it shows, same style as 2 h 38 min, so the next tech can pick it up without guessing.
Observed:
6 h 52 min
